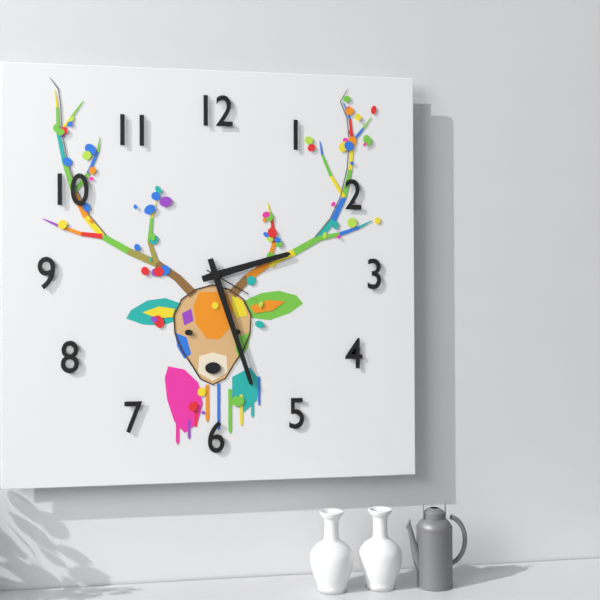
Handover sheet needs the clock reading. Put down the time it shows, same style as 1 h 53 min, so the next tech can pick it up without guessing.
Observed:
2 h 27 min
